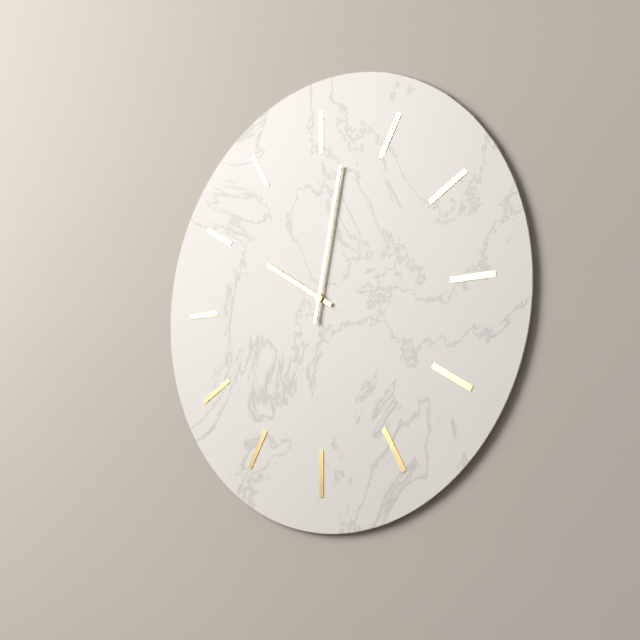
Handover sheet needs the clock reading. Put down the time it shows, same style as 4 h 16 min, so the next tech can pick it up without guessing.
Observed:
10 h 02 min
